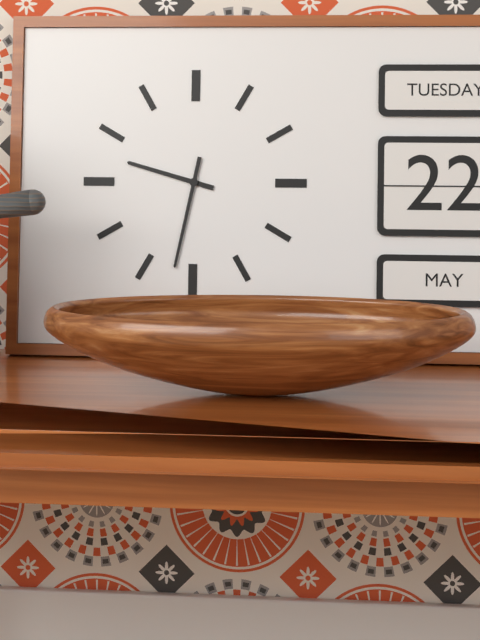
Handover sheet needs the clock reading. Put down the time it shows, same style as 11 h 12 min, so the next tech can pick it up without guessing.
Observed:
9 h 32 min
